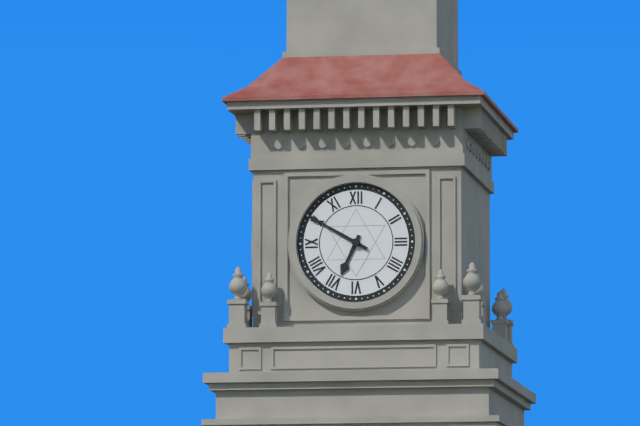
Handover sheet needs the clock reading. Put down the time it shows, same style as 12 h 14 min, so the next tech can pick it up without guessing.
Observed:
6 h 50 min
